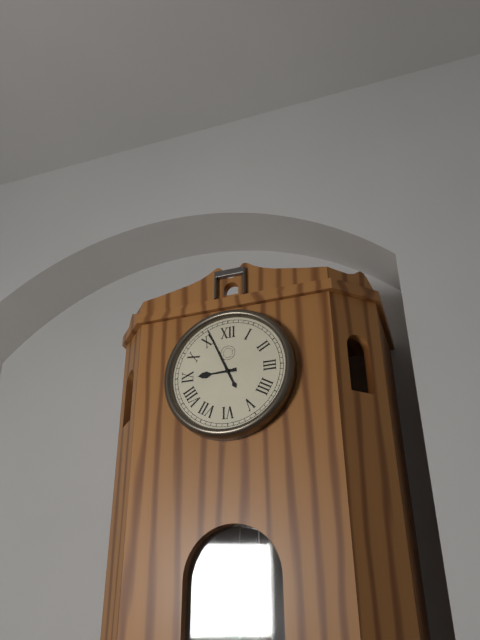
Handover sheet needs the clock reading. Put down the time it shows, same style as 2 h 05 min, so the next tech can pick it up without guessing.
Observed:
8 h 56 min
